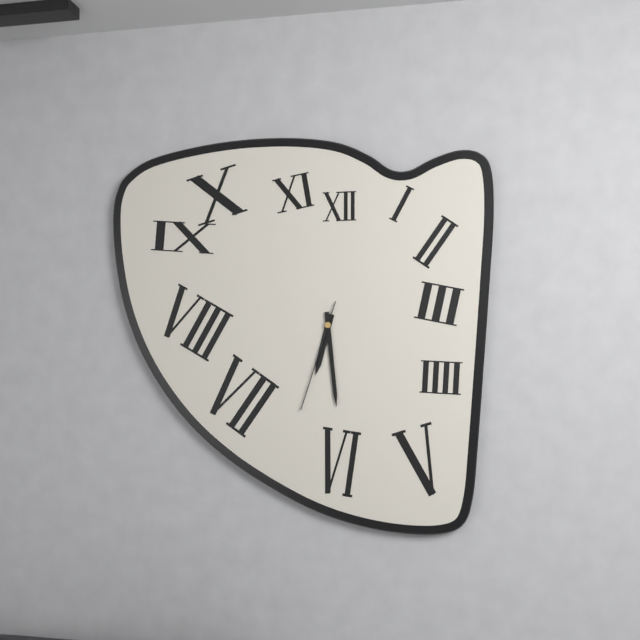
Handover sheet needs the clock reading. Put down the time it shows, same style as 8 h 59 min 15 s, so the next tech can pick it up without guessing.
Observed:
6 h 29 min 33 s
